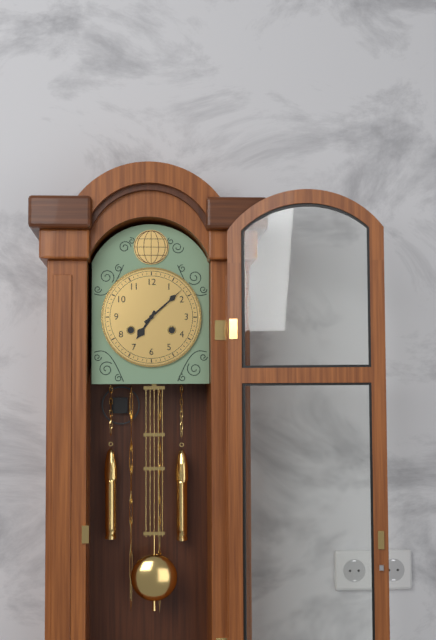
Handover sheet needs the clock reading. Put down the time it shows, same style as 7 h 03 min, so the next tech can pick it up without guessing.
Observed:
7 h 08 min
